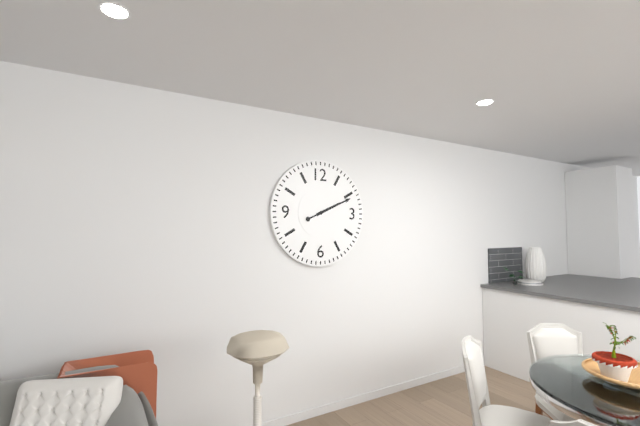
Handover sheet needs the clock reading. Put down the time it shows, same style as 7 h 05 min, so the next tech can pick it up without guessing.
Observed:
2 h 11 min
